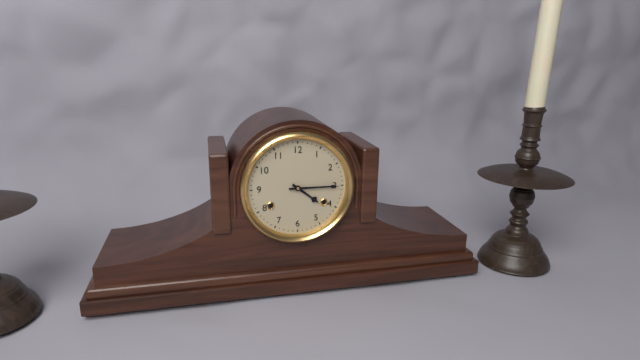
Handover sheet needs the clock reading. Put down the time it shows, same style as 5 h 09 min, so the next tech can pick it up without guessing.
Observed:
4 h 15 min
